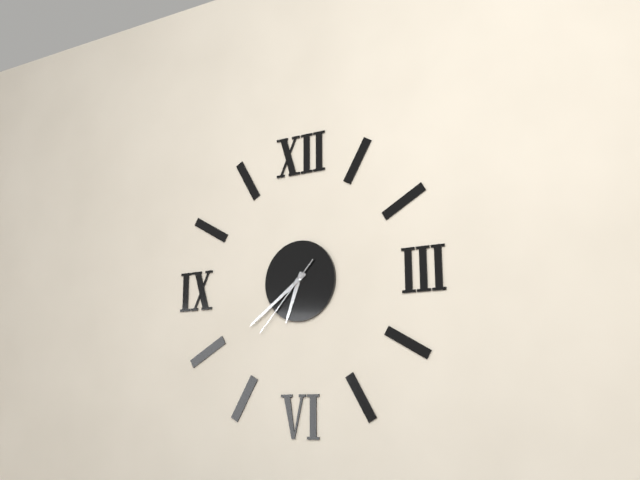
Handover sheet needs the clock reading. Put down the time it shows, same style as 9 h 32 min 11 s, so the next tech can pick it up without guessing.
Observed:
6 h 39 min 37 s
